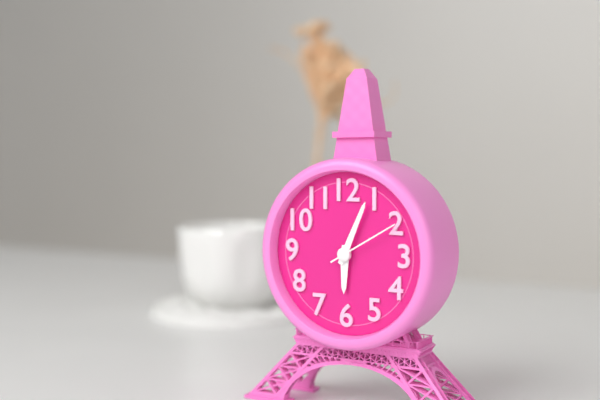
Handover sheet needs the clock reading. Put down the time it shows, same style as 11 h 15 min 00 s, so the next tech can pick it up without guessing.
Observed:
6 h 04 min 10 s
